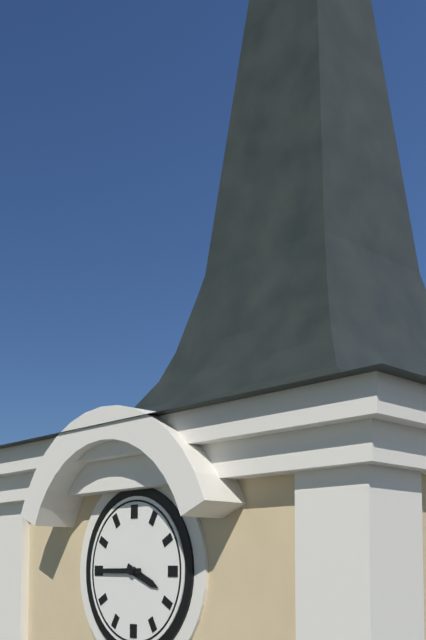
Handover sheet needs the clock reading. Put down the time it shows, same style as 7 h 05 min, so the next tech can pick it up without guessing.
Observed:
3 h 45 min
